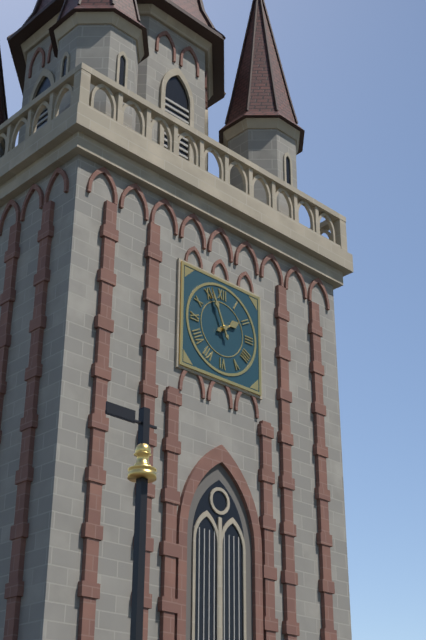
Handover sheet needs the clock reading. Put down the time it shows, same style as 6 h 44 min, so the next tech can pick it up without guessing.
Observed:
1 h 56 min
